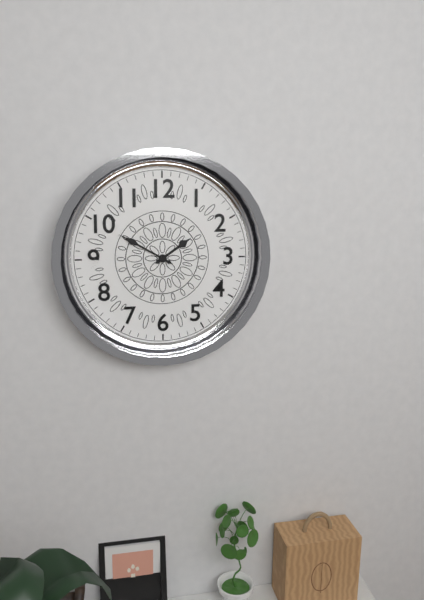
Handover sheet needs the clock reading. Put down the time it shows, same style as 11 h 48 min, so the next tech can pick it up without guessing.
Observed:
1 h 50 min
